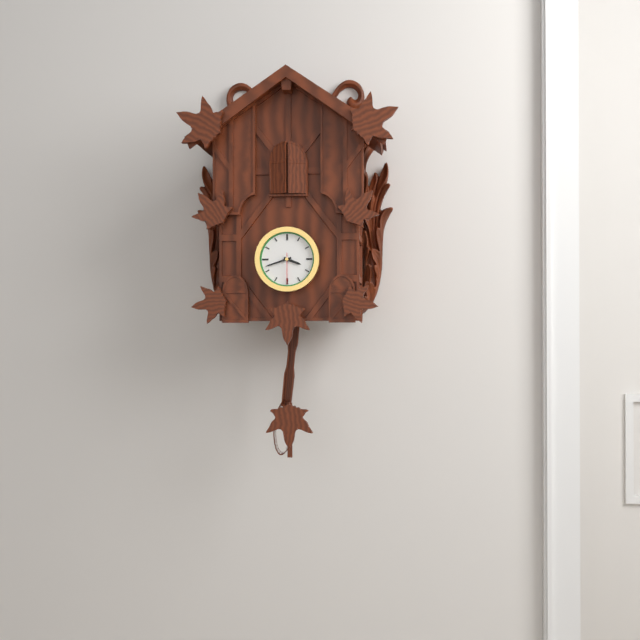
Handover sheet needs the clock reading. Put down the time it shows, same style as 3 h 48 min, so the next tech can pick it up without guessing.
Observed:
3 h 42 min
